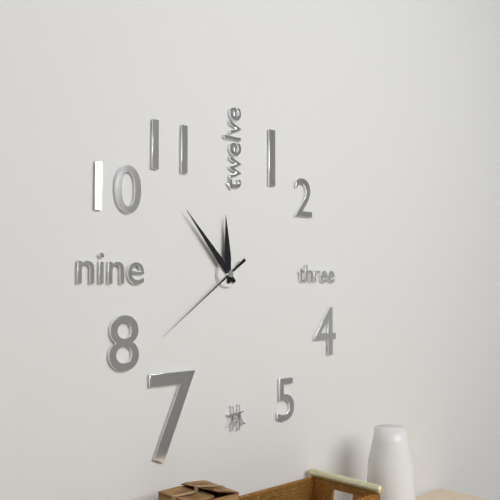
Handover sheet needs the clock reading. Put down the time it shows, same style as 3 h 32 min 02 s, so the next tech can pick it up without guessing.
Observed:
11 h 53 min 39 s
